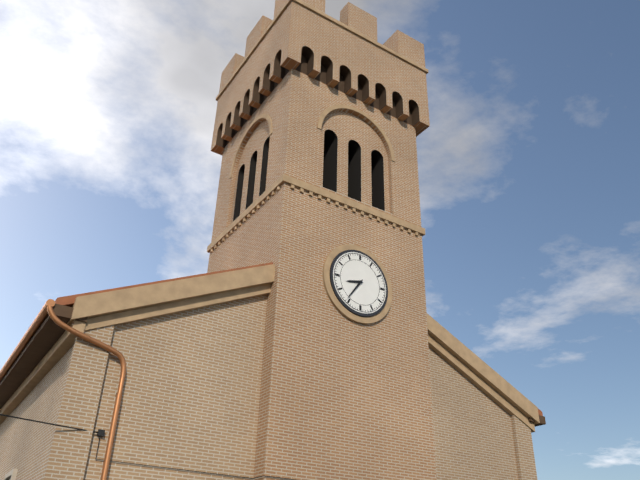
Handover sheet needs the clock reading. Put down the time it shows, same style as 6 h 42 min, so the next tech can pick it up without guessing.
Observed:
8 h 36 min
